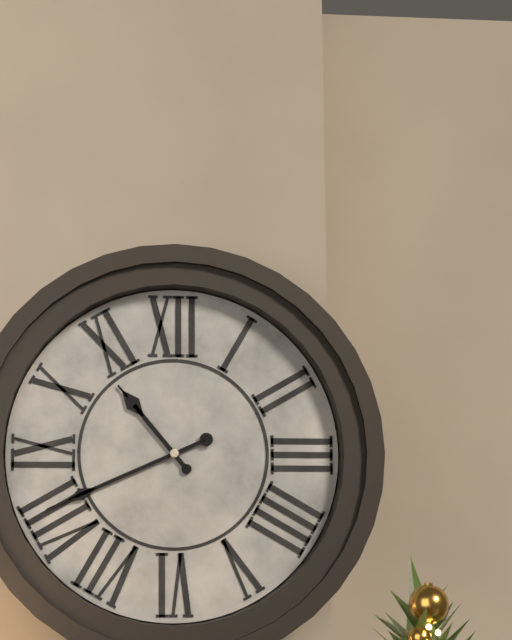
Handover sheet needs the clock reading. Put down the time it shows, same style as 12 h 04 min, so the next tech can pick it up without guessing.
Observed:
10 h 41 min
